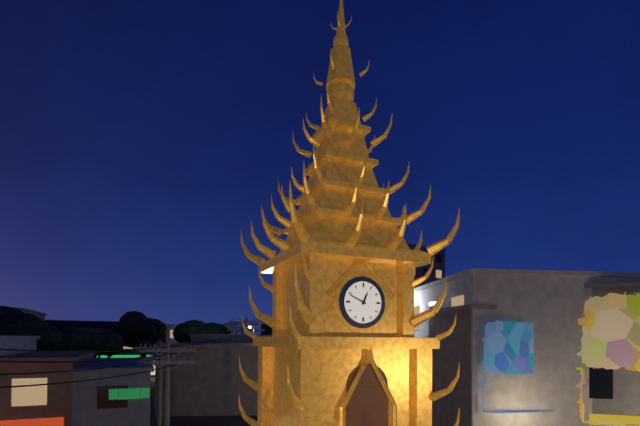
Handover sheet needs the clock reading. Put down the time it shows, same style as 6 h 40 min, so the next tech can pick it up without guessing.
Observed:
12 h 49 min
